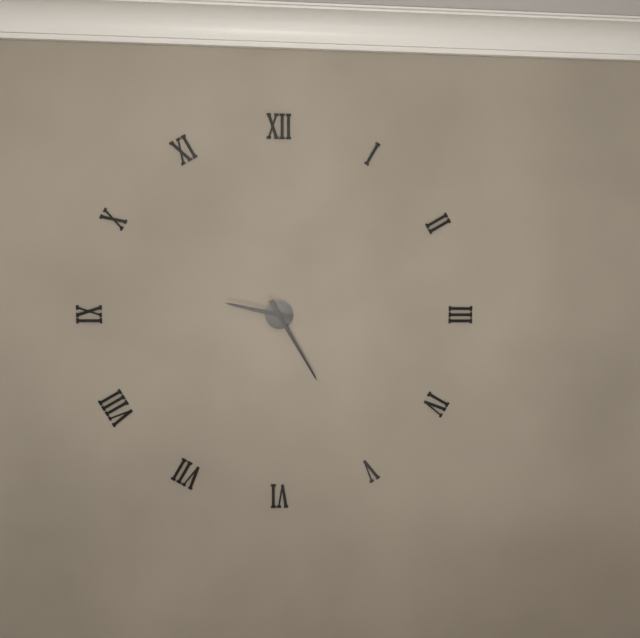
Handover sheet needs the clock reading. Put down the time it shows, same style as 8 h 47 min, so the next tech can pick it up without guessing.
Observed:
9 h 25 min
